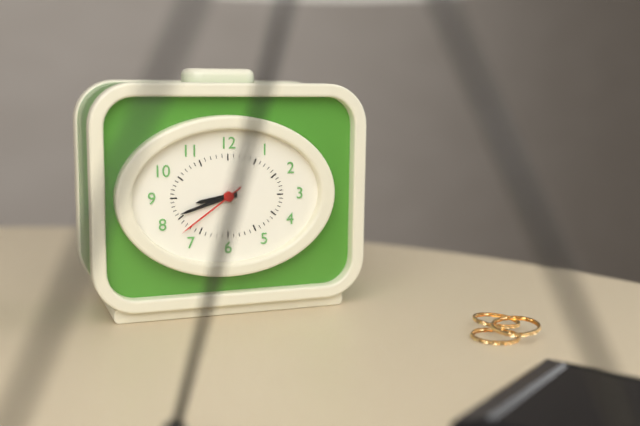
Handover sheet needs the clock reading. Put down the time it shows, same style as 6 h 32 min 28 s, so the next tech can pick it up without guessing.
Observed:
8 h 42 min 39 s
